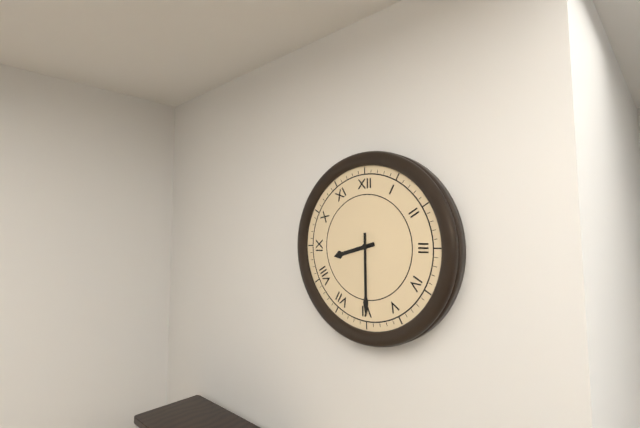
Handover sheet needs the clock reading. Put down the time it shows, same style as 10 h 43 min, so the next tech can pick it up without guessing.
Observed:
8 h 30 min
